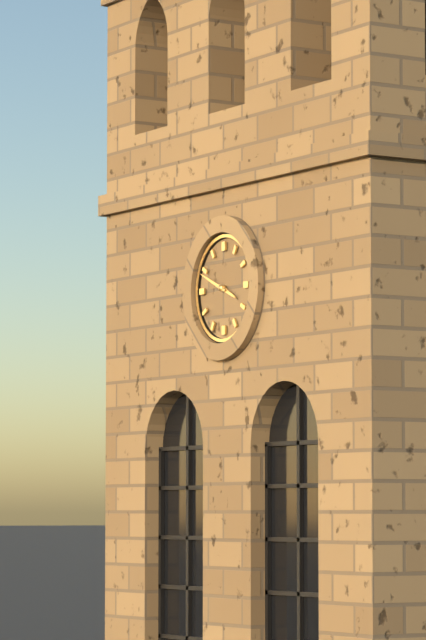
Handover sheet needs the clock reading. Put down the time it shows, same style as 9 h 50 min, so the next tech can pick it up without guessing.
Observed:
3 h 49 min
